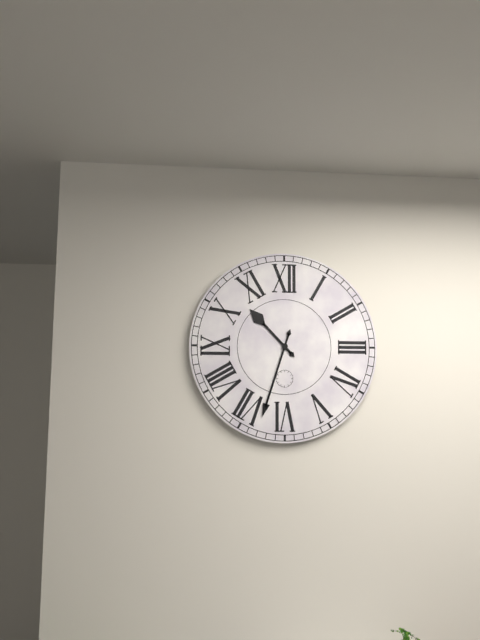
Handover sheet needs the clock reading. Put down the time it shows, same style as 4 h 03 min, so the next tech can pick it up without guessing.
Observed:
10 h 33 min
